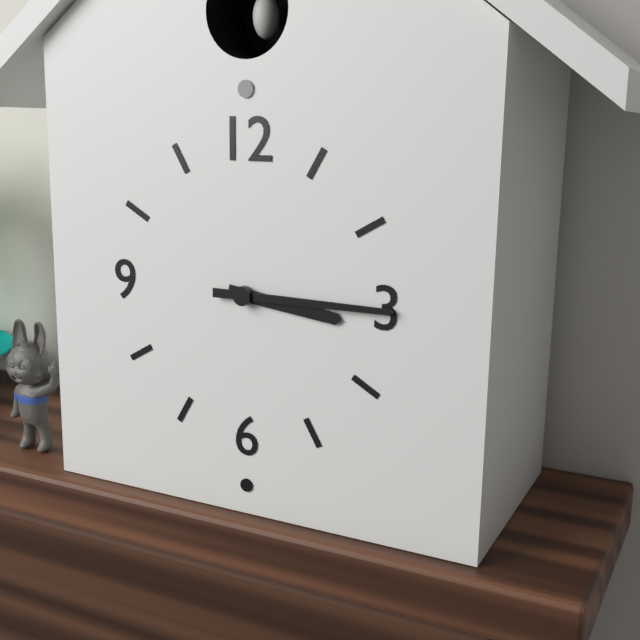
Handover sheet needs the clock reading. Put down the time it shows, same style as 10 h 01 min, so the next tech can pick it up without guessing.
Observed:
3 h 15 min
